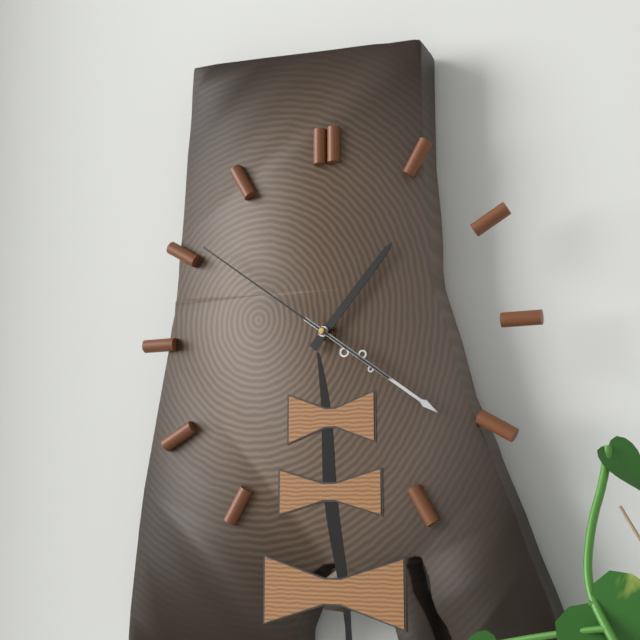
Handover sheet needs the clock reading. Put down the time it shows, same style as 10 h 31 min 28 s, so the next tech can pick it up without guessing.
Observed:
1 h 21 min 51 s
